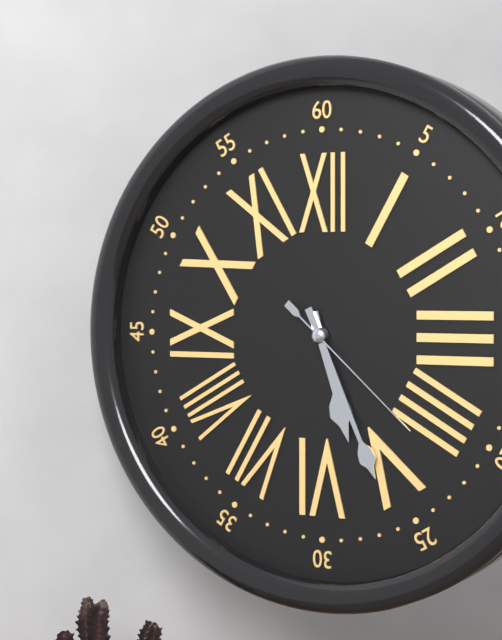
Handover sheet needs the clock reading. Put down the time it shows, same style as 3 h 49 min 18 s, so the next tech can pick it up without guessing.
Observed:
5 h 26 min 22 s
